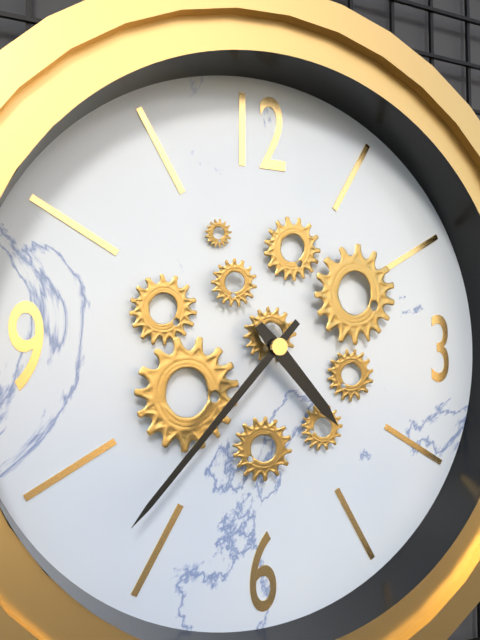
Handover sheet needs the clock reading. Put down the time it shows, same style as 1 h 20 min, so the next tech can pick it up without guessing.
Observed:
4 h 37 min
